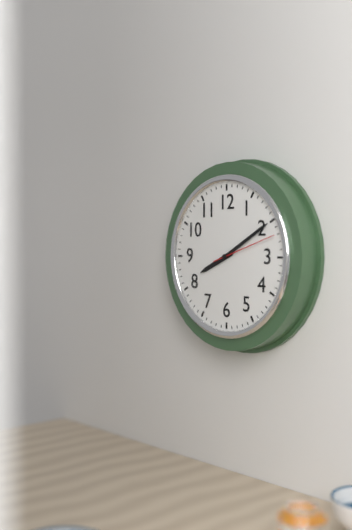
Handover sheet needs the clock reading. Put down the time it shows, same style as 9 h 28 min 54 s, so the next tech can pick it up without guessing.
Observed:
8 h 10 min 12 s
